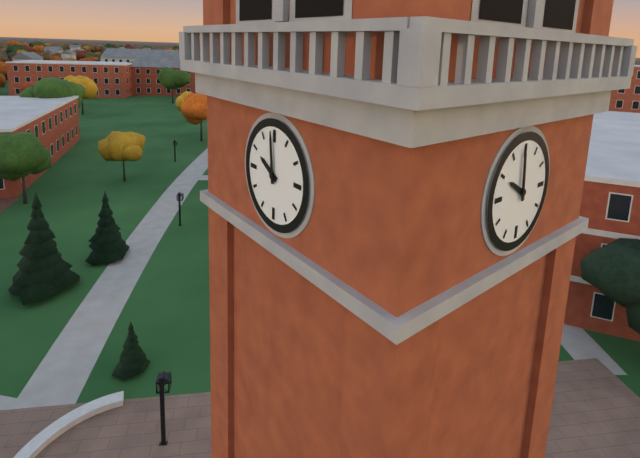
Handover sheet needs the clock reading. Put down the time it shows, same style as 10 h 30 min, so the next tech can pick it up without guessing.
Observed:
9 h 59 min
